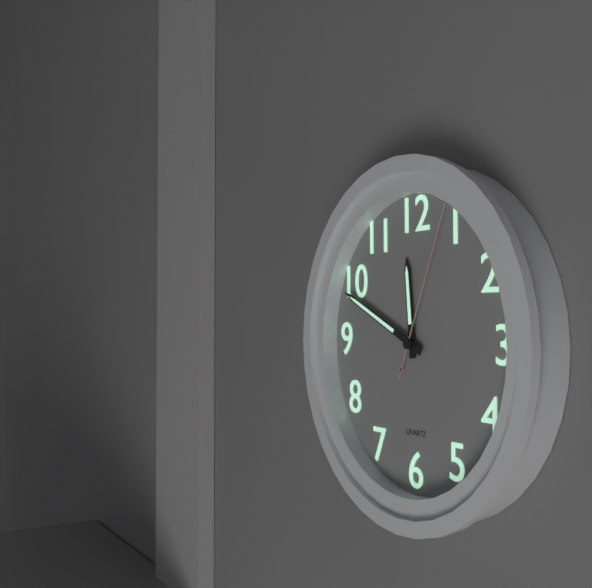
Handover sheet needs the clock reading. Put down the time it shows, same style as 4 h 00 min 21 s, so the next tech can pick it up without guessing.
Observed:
11 h 49 min 04 s
